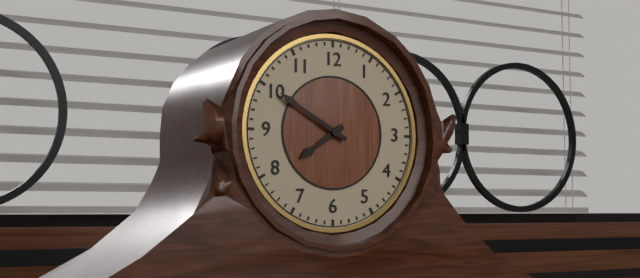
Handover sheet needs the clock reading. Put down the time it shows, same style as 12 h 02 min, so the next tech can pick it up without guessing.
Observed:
7 h 50 min
